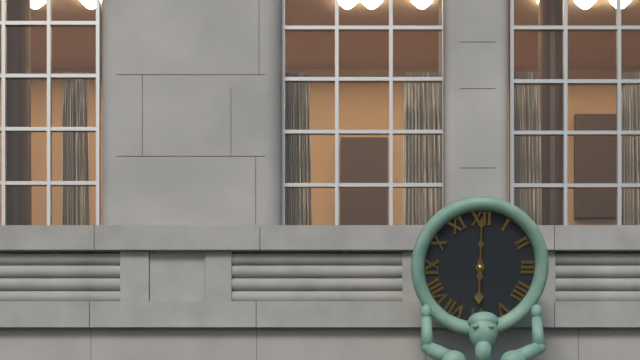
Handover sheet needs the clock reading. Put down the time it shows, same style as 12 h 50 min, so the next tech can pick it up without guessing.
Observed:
6 h 00 min
